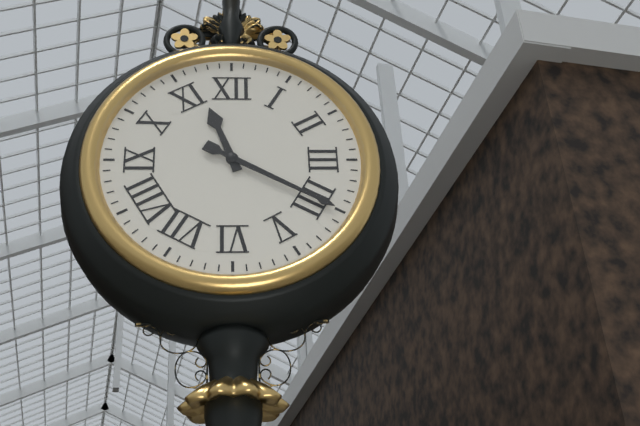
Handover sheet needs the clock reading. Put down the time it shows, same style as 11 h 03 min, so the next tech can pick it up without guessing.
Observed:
11 h 20 min
